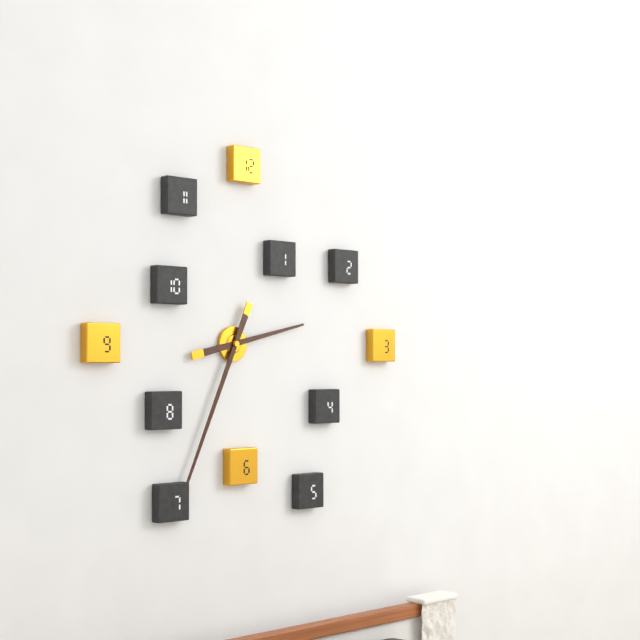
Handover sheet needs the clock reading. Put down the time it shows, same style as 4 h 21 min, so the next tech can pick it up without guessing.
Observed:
2 h 34 min
